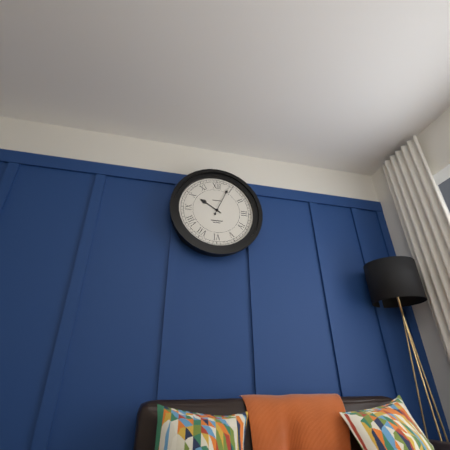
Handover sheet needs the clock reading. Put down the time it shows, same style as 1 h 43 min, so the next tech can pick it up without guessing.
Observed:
10 h 04 min
